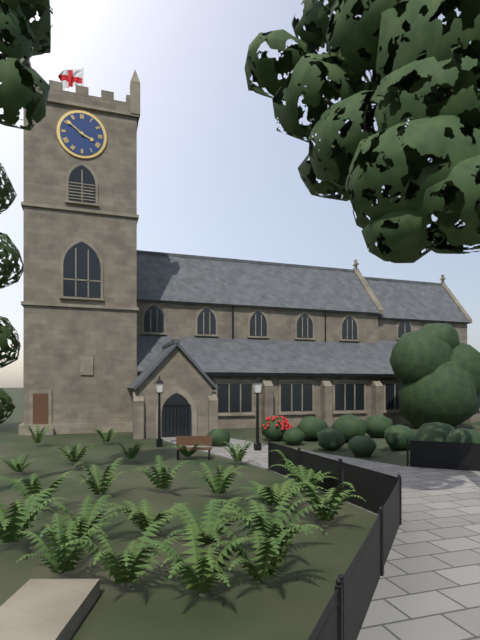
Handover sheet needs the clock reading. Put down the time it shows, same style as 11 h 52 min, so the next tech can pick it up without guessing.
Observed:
3 h 51 min
